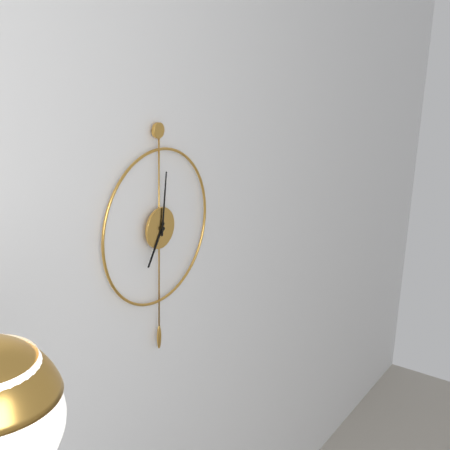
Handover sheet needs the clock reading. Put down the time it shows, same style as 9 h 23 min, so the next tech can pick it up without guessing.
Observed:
7 h 01 min
